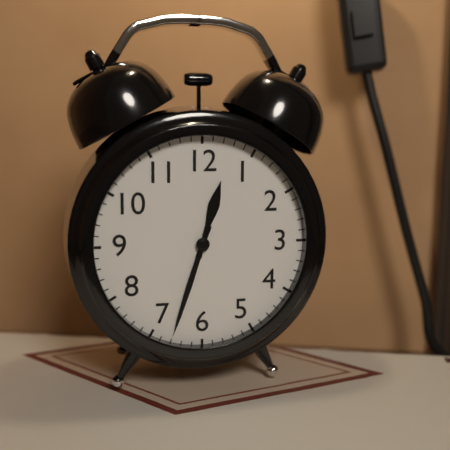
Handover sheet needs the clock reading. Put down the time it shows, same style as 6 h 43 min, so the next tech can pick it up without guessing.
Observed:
12 h 33 min
